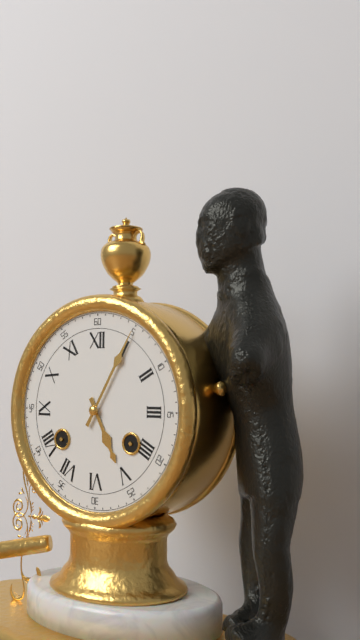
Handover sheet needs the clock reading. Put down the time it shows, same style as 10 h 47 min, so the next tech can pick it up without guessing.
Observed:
5 h 05 min
